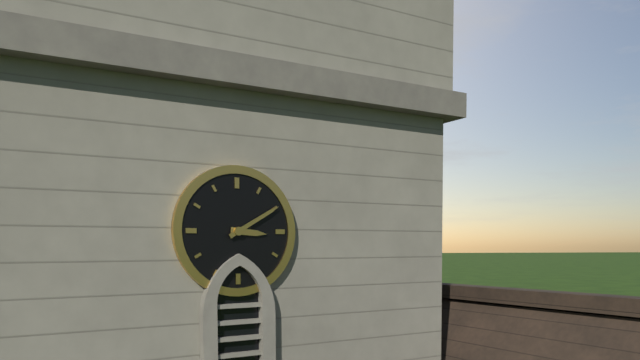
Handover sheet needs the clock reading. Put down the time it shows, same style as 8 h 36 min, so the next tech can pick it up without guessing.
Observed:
3 h 10 min
